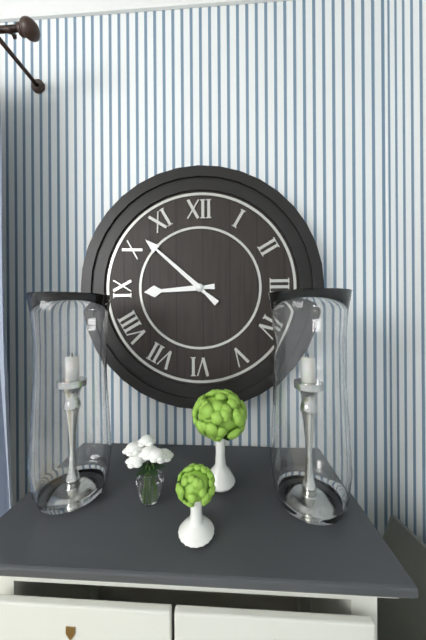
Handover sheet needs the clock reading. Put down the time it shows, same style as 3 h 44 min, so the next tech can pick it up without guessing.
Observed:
8 h 52 min
